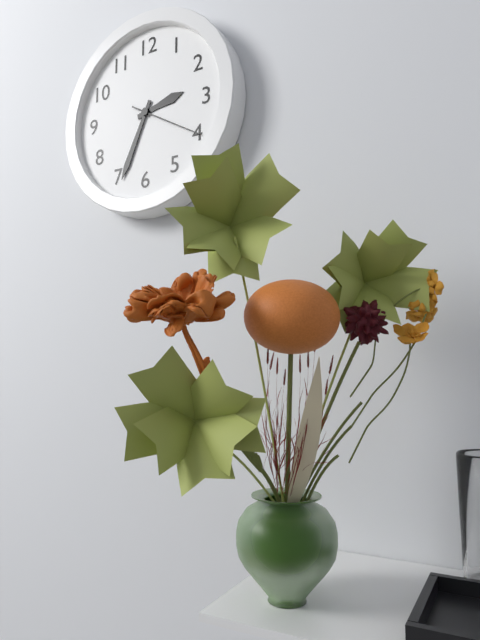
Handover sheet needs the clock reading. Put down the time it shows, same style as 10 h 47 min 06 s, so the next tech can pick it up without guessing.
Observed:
2 h 34 min 20 s
